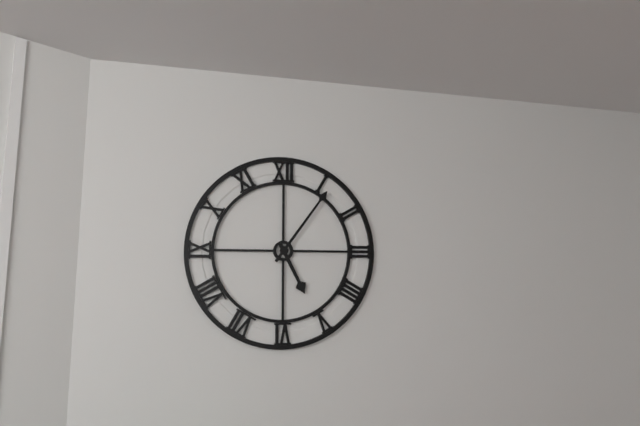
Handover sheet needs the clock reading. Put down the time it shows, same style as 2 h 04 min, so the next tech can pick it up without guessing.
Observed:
5 h 06 min
